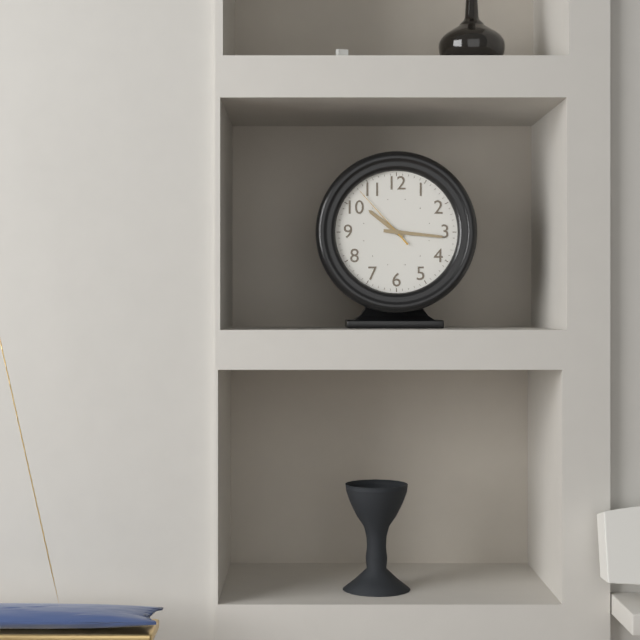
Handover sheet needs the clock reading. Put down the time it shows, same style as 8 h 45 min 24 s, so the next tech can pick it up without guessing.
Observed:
10 h 16 min 53 s
